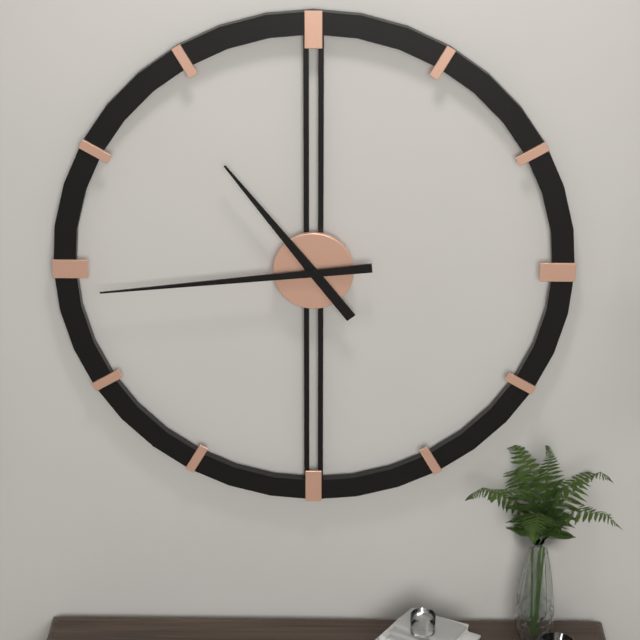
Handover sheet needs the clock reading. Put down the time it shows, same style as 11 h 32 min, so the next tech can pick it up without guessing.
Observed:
10 h 44 min
